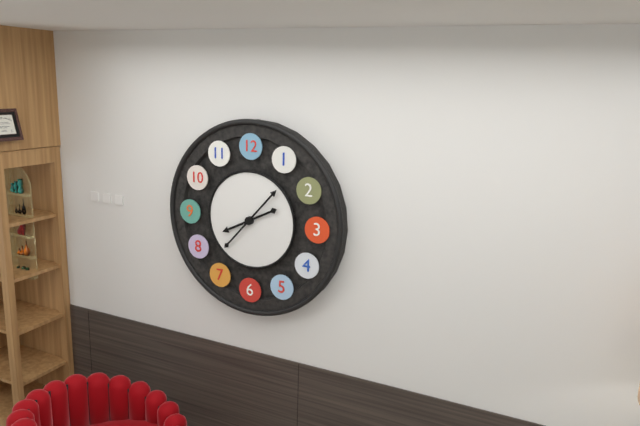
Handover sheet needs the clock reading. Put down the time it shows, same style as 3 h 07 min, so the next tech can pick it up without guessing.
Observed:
8 h 07 min
